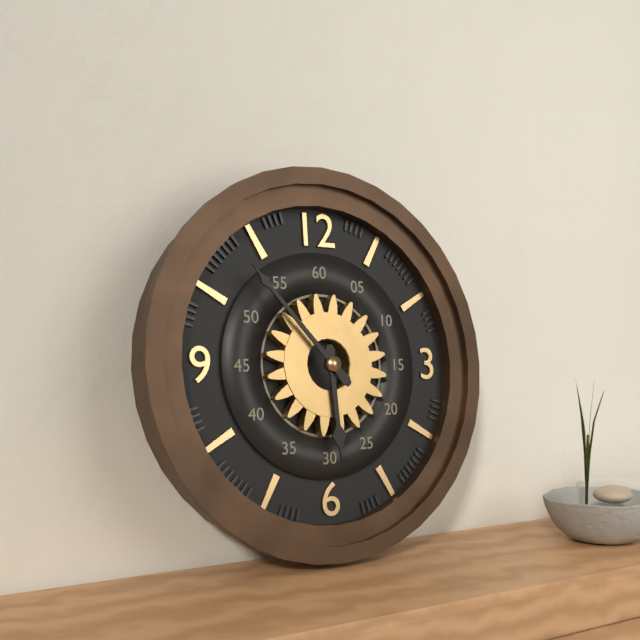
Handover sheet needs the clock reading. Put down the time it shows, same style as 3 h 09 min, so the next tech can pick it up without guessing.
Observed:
5 h 53 min
